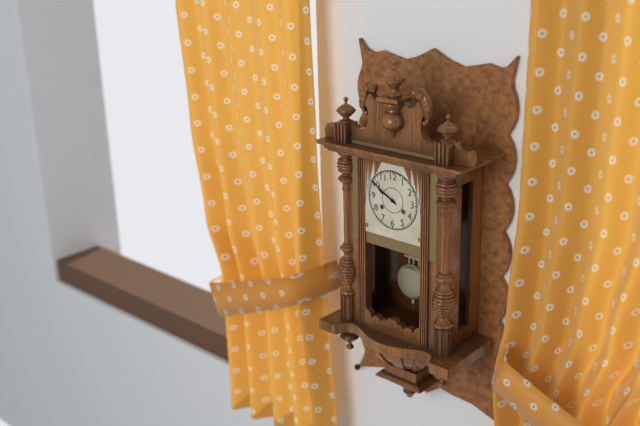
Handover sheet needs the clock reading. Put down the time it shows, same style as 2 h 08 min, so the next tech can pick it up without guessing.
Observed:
9 h 50 min
